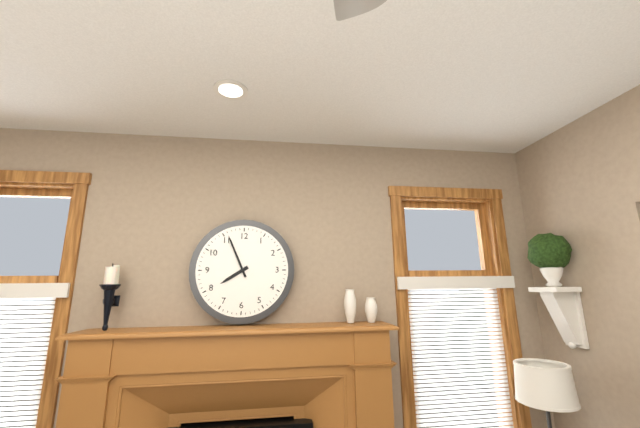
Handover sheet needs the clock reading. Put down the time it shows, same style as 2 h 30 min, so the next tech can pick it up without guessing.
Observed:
7 h 56 min
